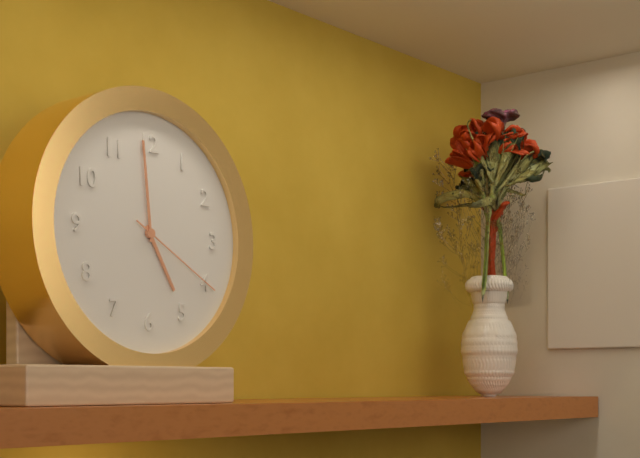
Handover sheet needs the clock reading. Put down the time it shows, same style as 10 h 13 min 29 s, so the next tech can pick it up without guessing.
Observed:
4 h 59 min 20 s
